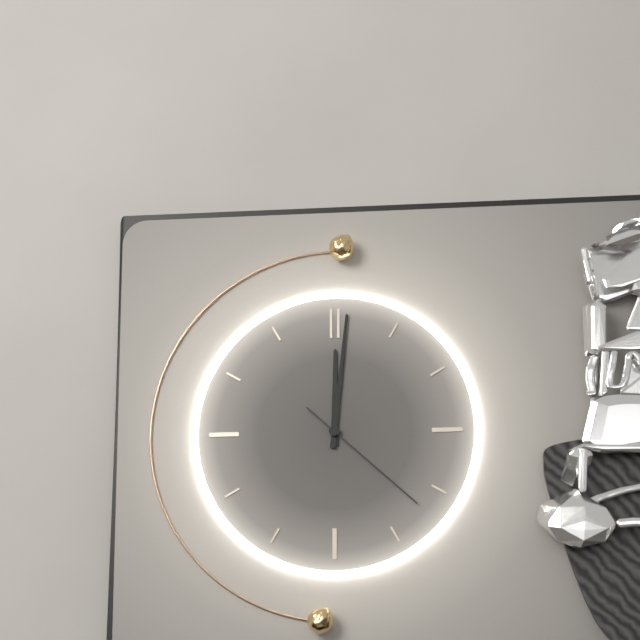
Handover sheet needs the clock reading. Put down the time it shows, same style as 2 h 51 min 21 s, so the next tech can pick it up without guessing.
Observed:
12 h 01 min 22 s
